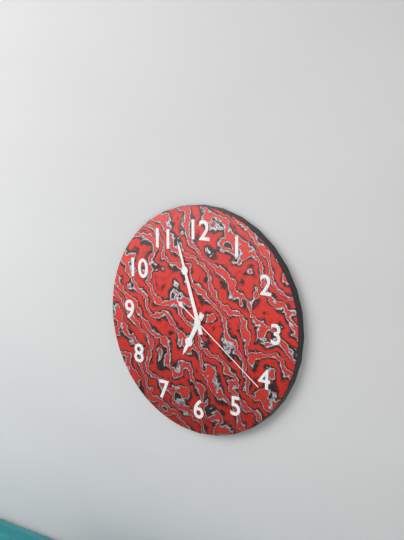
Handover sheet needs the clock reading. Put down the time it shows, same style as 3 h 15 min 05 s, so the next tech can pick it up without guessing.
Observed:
6 h 57 min 21 s
